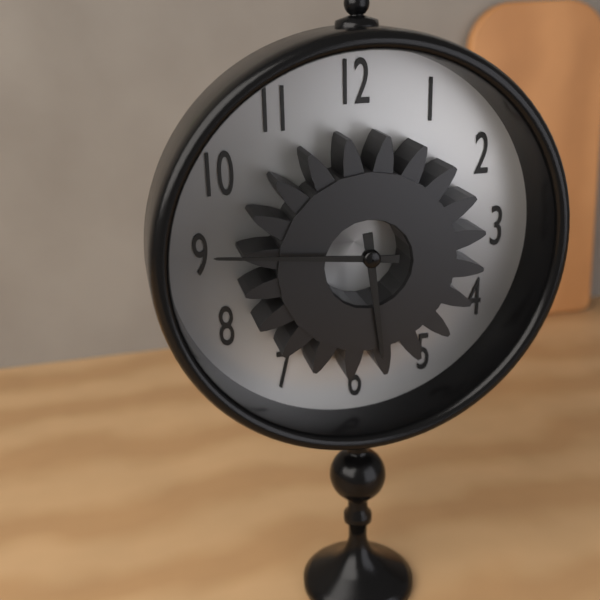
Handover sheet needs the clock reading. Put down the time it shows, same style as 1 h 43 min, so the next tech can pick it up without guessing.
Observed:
5 h 46 min
